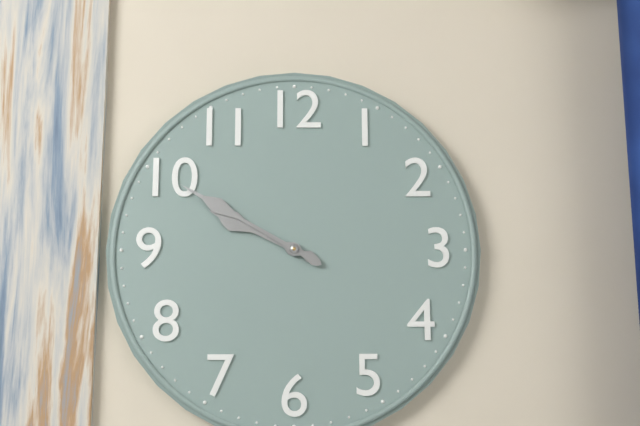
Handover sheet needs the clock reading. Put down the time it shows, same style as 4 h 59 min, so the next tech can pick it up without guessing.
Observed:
9 h 50 min
